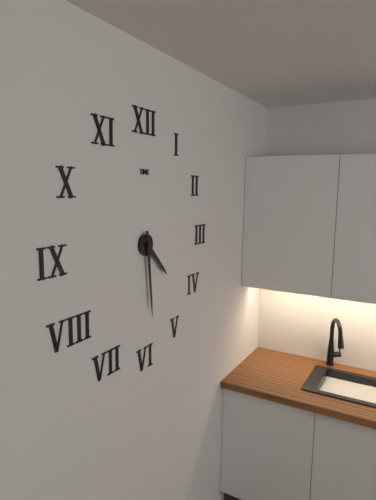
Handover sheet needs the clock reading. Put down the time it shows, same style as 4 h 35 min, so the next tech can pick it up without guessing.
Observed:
4 h 29 min
